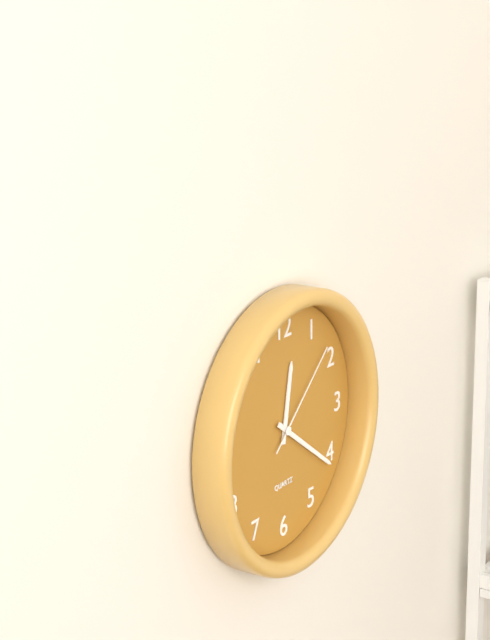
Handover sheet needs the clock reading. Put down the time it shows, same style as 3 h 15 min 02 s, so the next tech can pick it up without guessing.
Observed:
12 h 21 min 08 s
